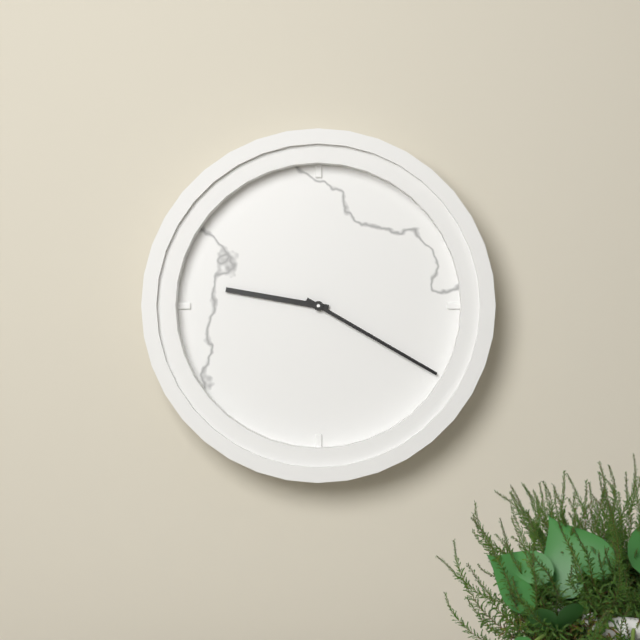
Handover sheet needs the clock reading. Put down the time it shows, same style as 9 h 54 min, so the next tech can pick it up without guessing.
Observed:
9 h 20 min
